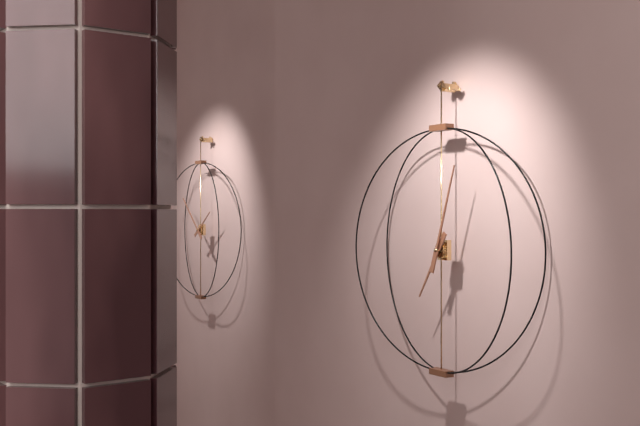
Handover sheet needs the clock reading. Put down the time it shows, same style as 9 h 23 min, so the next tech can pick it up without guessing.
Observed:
7 h 03 min
